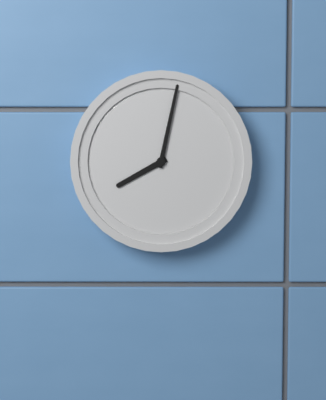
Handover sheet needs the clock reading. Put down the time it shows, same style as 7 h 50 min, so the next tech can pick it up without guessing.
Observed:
8 h 02 min
